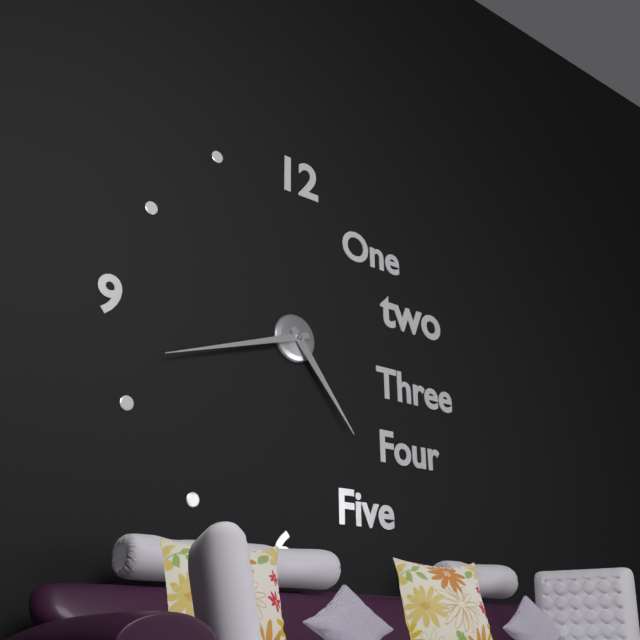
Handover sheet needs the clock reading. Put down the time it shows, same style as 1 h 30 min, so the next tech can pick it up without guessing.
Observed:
4 h 42 min
